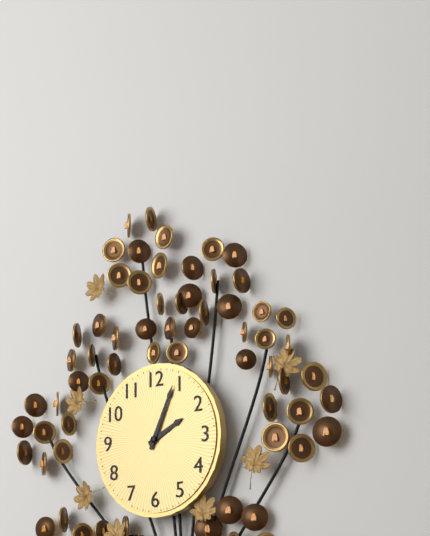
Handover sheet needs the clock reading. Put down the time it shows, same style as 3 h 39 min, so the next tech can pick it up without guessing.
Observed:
2 h 04 min
